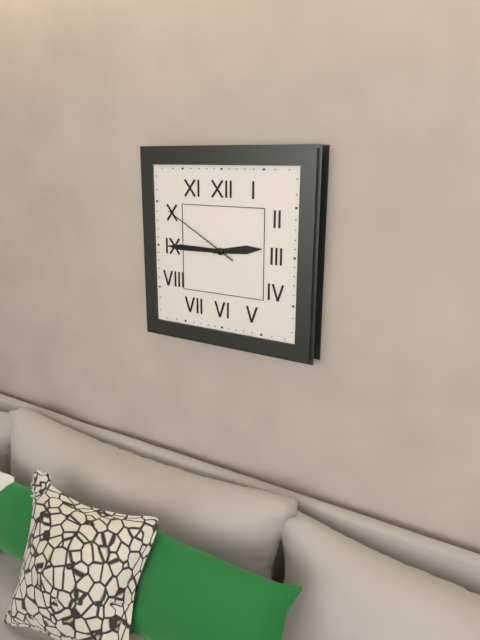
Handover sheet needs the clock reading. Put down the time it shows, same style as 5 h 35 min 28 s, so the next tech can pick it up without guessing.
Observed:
2 h 45 min 50 s
